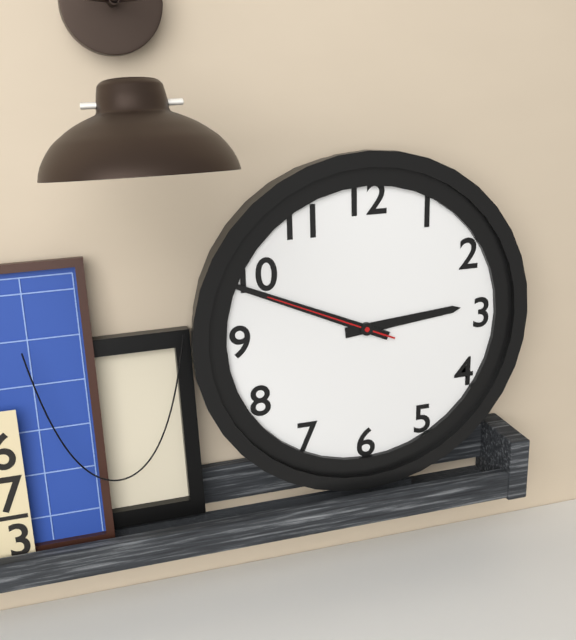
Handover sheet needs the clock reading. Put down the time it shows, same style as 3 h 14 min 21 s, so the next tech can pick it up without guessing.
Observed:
2 h 49 min 49 s
